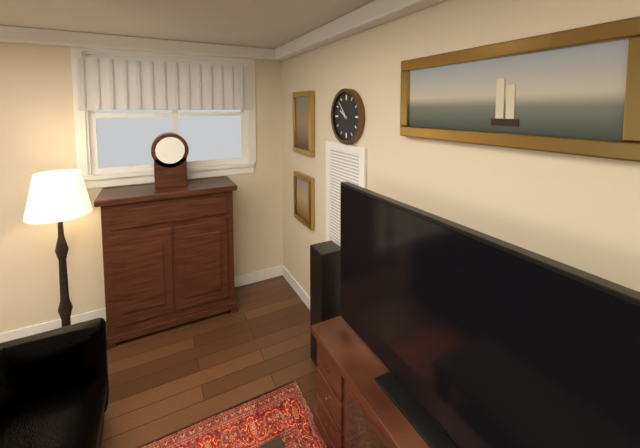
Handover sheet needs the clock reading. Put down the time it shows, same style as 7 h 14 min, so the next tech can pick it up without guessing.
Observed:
9 h 53 min
